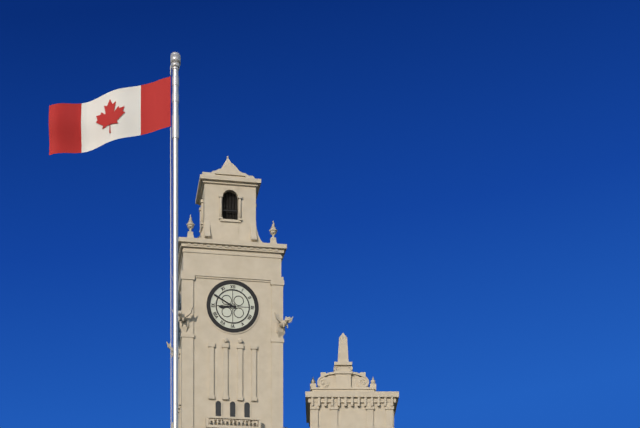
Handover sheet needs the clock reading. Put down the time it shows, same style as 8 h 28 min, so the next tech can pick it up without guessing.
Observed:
8 h 50 min
